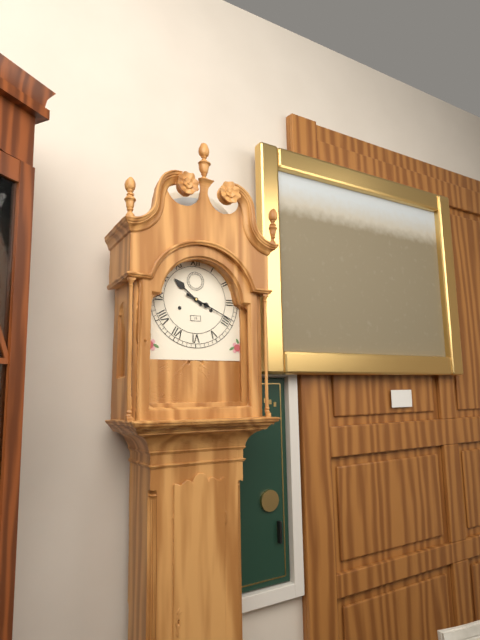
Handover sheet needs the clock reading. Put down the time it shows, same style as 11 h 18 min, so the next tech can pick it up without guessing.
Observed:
10 h 19 min
